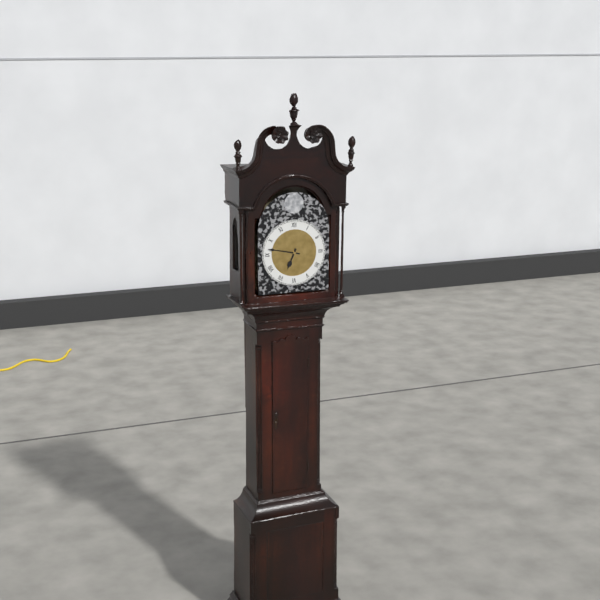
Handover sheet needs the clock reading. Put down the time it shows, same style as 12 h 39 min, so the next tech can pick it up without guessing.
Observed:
6 h 47 min
